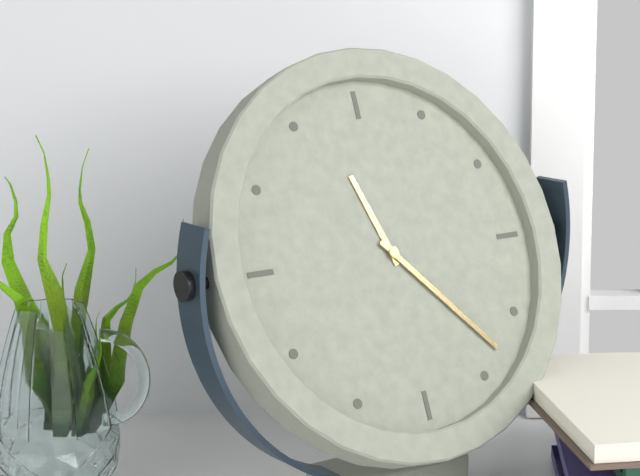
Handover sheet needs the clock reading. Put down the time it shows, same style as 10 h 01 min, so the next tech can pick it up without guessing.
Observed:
11 h 23 min
